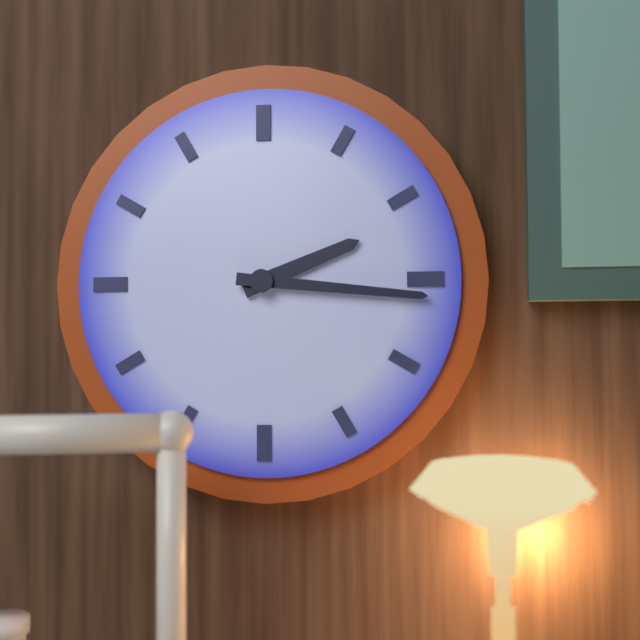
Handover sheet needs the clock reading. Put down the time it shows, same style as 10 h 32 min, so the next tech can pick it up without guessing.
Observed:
2 h 16 min
